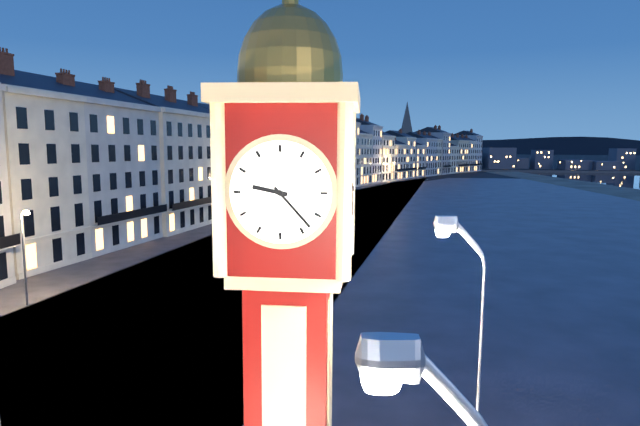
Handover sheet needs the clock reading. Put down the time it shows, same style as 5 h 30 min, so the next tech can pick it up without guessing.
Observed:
9 h 23 min
